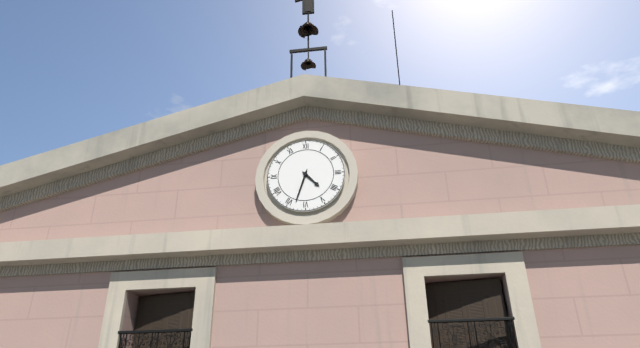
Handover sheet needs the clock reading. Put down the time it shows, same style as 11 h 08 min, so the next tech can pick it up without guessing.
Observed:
4 h 33 min
